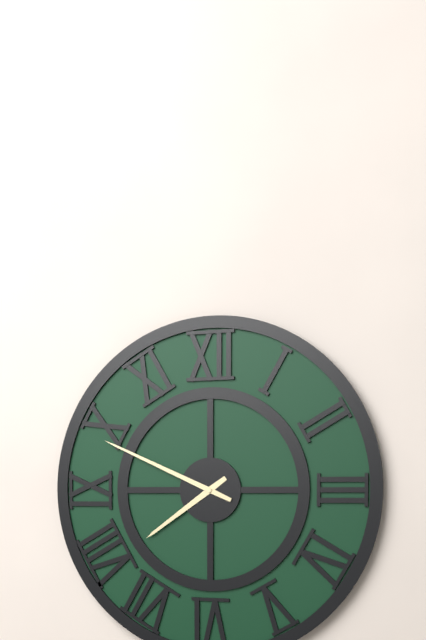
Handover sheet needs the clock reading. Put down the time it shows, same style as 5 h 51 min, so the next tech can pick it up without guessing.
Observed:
7 h 49 min
